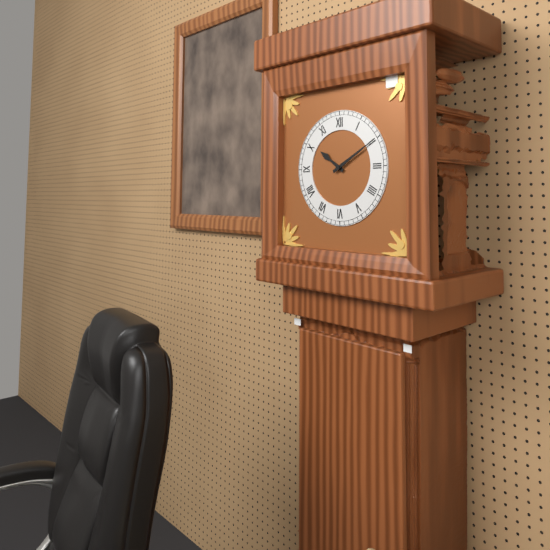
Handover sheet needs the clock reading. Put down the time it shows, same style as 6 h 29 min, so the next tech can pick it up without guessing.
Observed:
10 h 10 min
